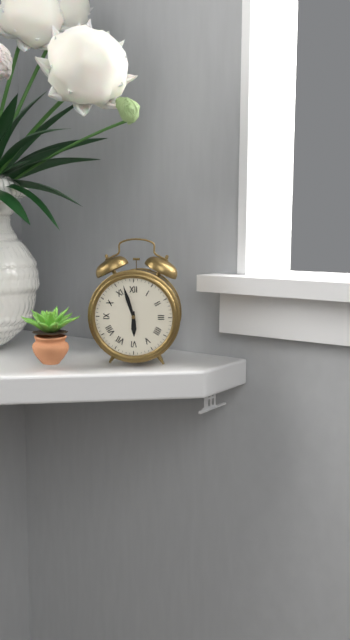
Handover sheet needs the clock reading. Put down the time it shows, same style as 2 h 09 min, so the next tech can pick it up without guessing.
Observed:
5 h 57 min
